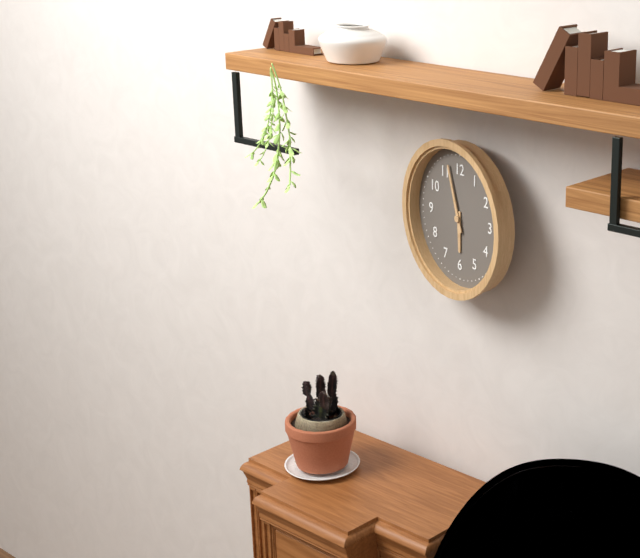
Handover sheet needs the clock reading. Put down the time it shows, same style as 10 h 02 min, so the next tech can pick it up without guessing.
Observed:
5 h 57 min
